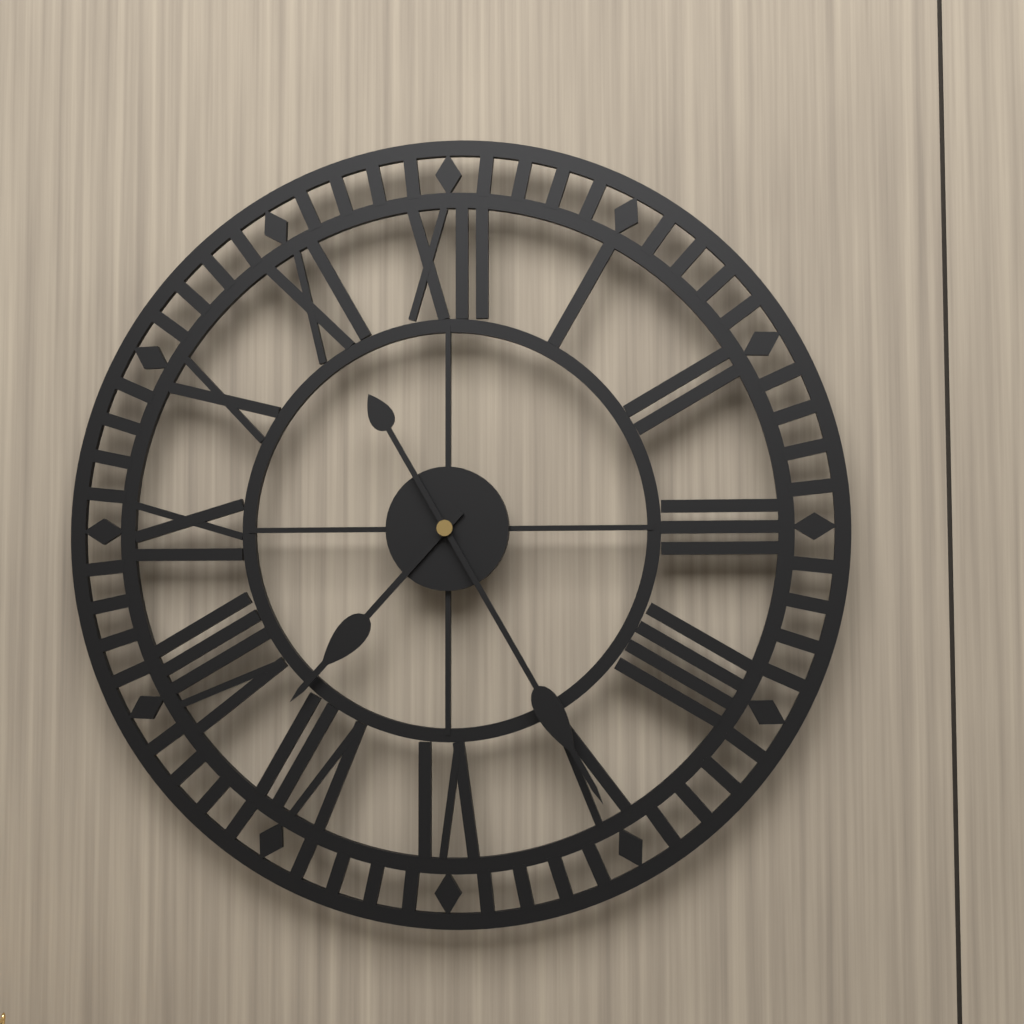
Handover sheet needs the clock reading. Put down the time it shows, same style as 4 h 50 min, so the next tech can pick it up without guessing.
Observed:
7 h 25 min
